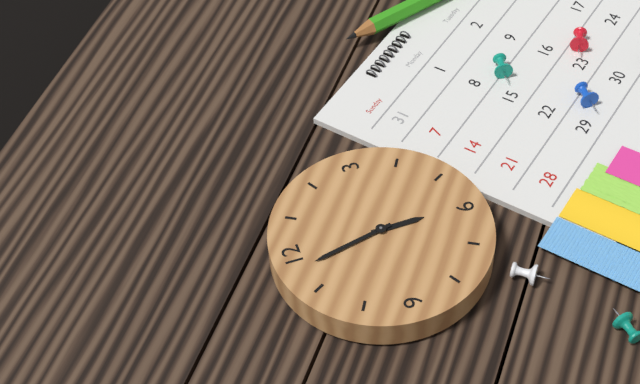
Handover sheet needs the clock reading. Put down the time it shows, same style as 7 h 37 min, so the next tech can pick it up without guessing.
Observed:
5 h 58 min
